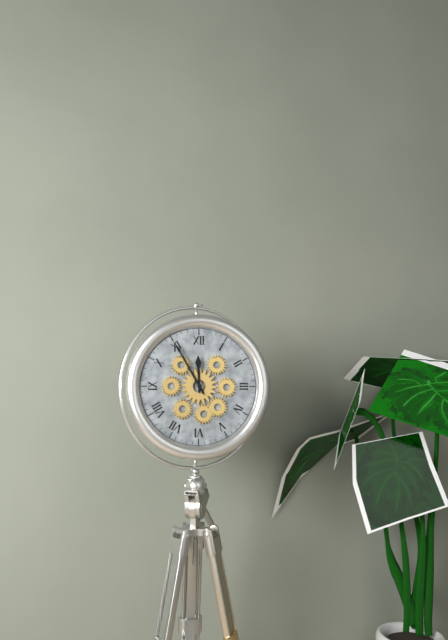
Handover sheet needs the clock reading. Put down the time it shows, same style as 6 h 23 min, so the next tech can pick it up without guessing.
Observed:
11 h 55 min
